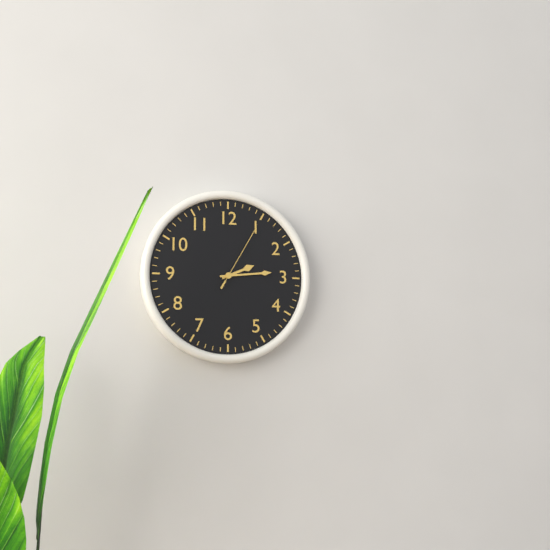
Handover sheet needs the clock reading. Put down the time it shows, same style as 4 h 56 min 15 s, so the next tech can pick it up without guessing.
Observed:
2 h 14 min 05 s
